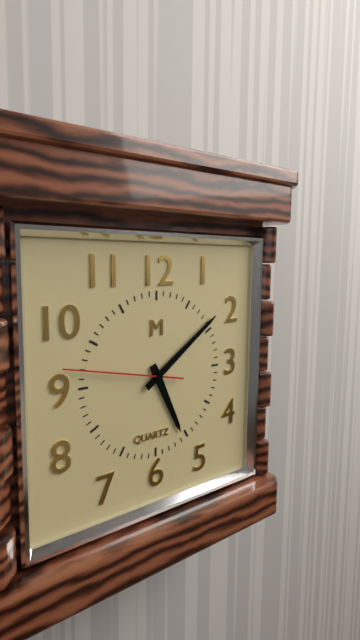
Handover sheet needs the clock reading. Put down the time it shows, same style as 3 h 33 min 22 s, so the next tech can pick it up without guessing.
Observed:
5 h 09 min 47 s
